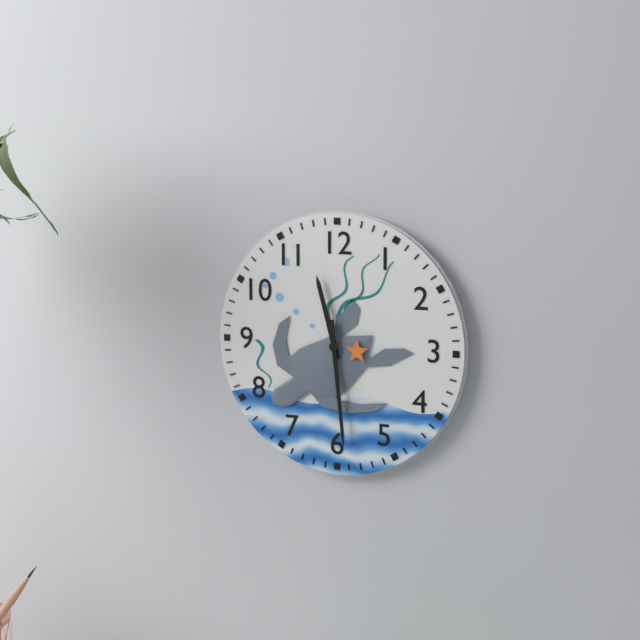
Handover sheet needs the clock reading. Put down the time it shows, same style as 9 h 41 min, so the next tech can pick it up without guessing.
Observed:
11 h 29 min
